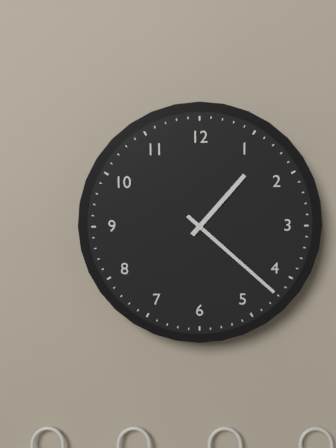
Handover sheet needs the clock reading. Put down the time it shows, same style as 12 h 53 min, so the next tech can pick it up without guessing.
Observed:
1 h 22 min
